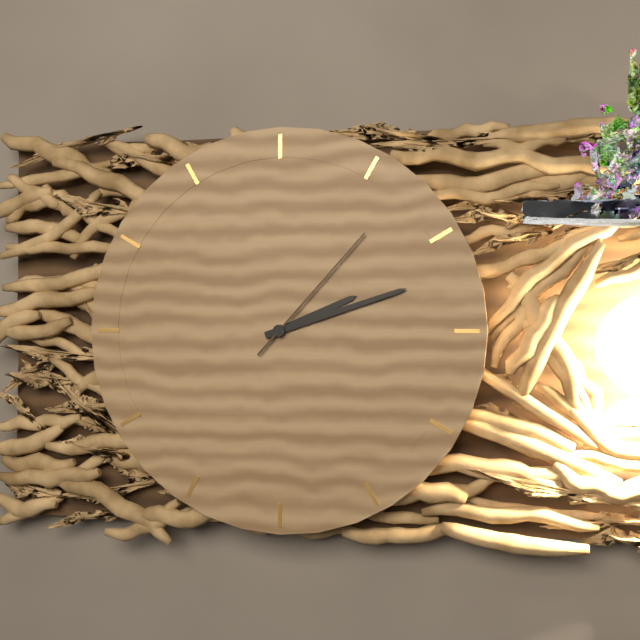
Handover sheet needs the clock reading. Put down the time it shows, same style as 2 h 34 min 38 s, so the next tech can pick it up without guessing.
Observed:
2 h 12 min 07 s
